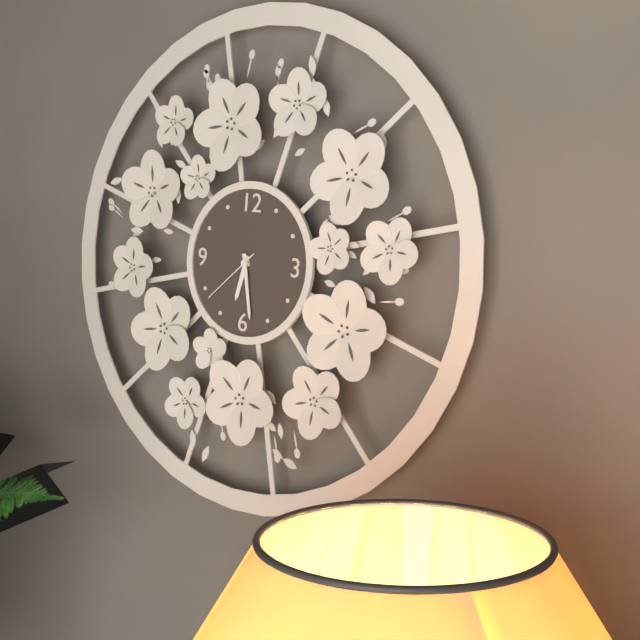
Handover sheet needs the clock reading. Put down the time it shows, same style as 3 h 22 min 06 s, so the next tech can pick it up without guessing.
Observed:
6 h 28 min 38 s
